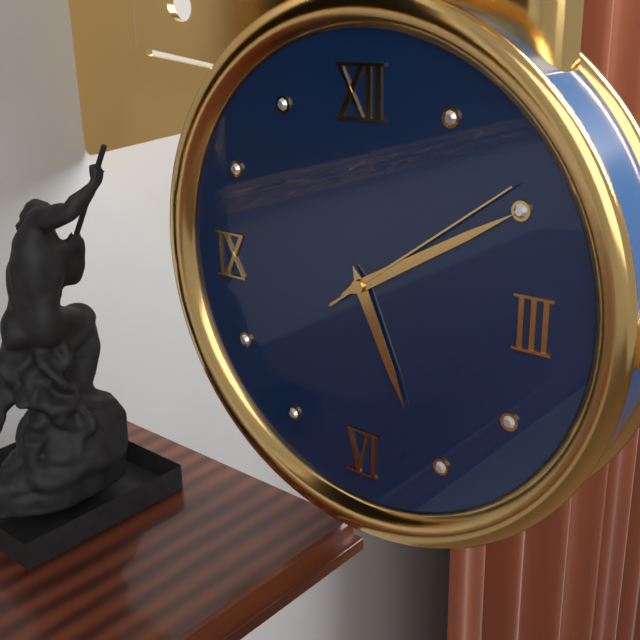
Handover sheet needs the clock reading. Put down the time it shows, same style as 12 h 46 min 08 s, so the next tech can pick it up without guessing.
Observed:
5 h 10 min 09 s
